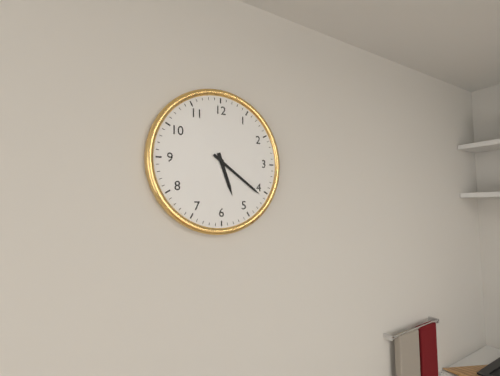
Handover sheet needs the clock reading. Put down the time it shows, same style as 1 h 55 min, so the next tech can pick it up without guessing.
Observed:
5 h 21 min
